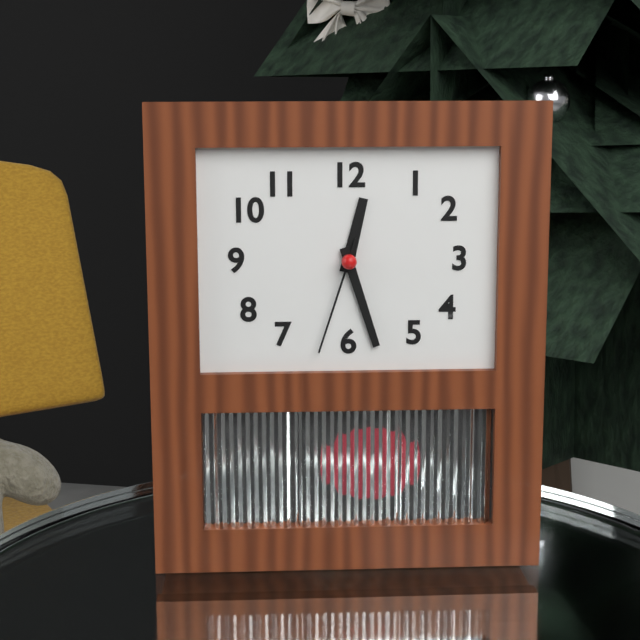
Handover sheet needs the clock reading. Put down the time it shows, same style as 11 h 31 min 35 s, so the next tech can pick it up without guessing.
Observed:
12 h 27 min 33 s
